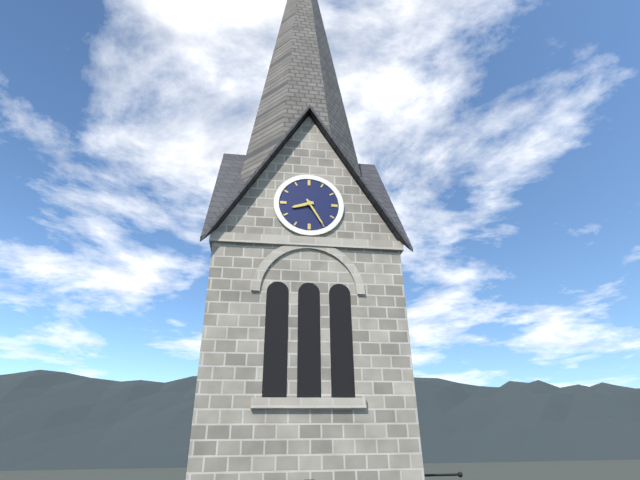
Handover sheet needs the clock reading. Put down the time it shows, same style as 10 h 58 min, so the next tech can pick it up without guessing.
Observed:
8 h 25 min
